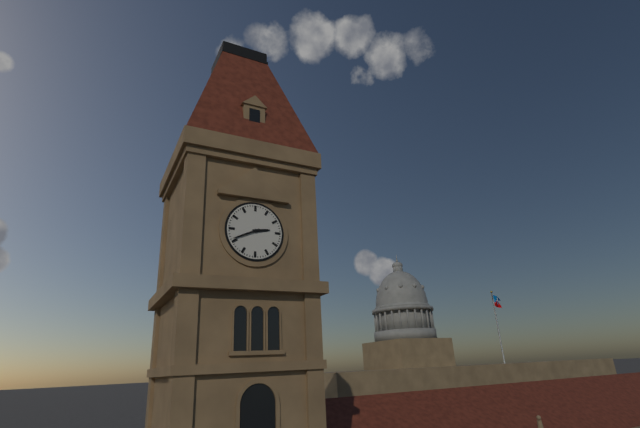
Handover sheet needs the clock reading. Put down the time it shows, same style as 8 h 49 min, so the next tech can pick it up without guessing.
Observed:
2 h 41 min
